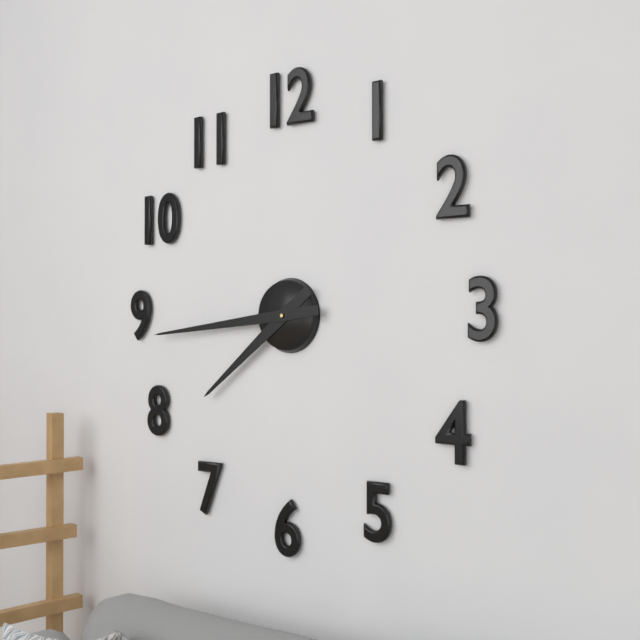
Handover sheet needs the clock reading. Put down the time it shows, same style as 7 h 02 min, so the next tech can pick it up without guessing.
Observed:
7 h 44 min
